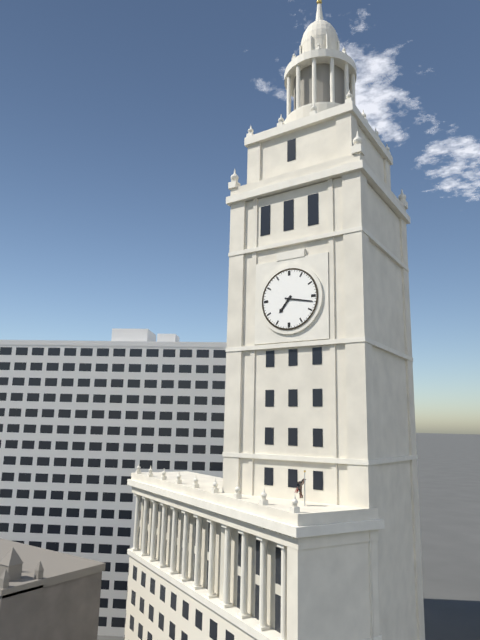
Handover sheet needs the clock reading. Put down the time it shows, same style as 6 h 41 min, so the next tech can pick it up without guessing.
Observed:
7 h 17 min
